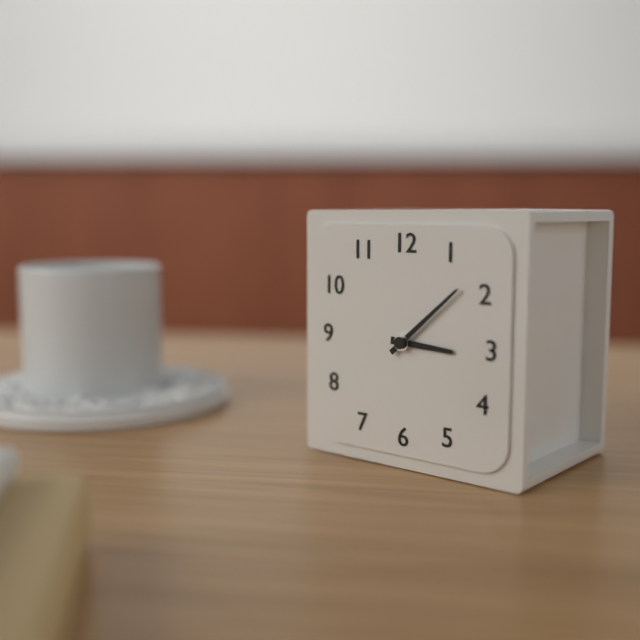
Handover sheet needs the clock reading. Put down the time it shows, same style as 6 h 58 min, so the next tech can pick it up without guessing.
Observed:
3 h 08 min
